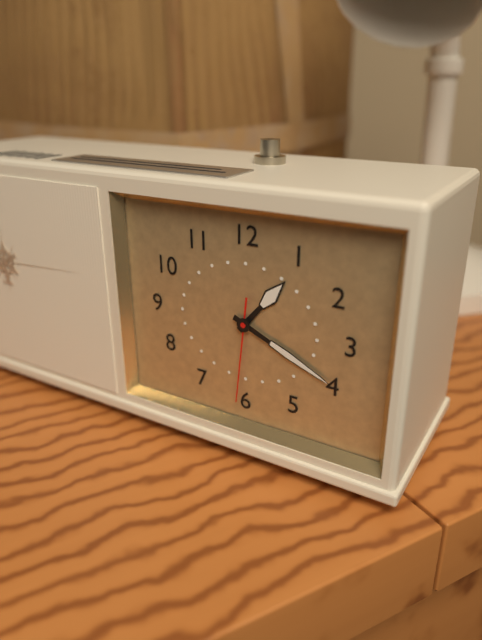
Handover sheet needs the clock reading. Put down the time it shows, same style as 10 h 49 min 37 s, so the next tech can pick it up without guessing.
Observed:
1 h 19 min 31 s
